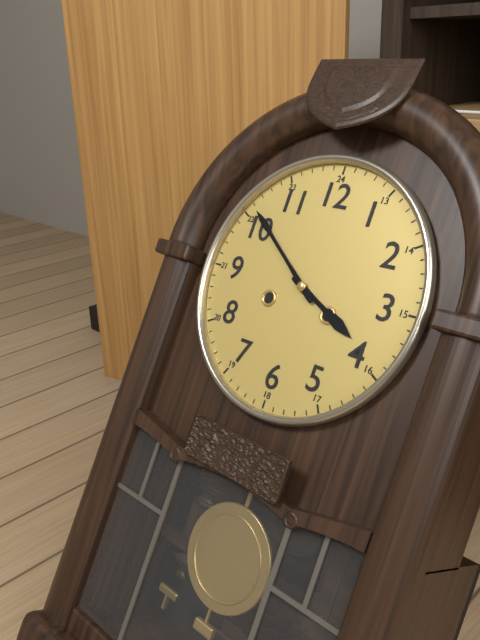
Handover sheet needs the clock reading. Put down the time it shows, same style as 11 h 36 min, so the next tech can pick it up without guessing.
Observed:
3 h 51 min
